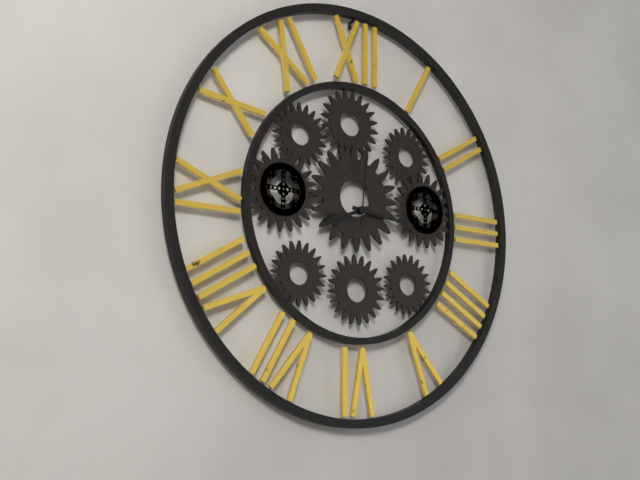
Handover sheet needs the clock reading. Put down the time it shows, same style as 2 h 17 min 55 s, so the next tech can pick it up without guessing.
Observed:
8 h 16 min 01 s
